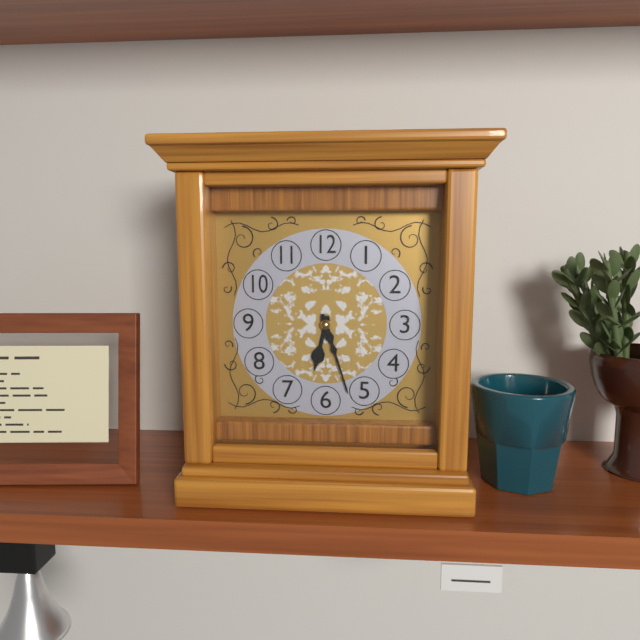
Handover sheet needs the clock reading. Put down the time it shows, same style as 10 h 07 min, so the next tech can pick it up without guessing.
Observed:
6 h 27 min
